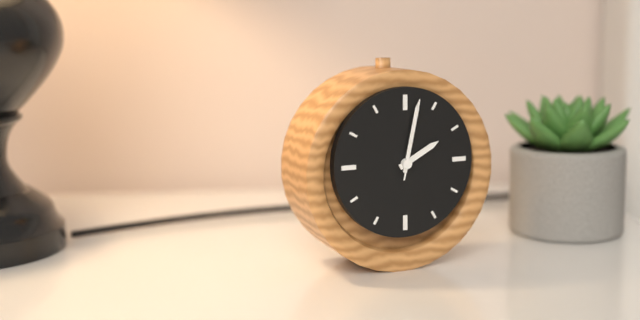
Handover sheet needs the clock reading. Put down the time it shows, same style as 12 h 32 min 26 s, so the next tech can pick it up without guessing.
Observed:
2 h 02 min 02 s
